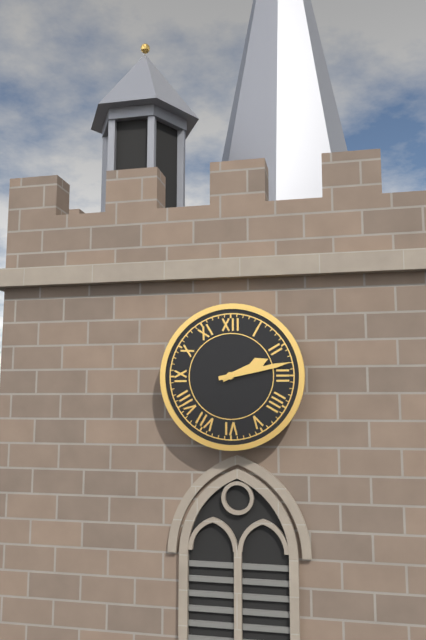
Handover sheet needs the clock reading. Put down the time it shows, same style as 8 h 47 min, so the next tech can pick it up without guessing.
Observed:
2 h 13 min
